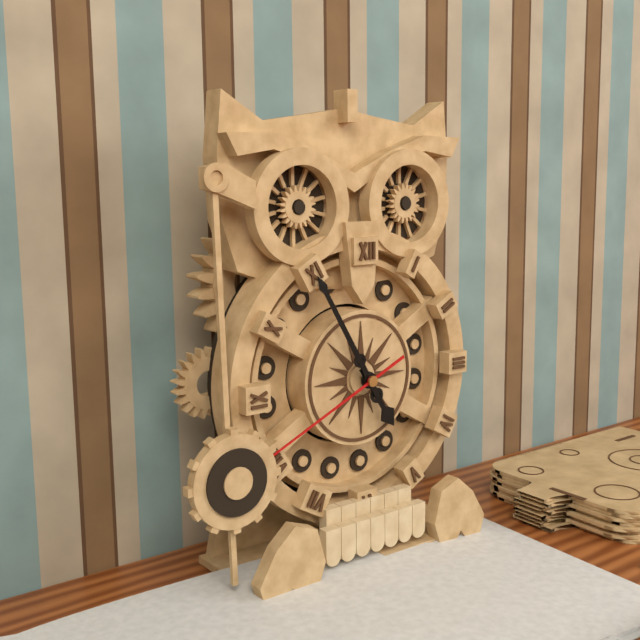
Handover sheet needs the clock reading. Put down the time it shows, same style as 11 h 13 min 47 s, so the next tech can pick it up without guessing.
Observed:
4 h 55 min 41 s
